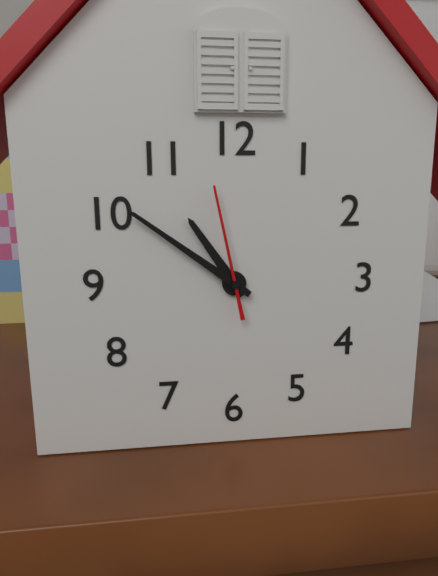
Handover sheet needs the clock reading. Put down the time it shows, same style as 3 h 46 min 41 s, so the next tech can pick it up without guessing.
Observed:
10 h 51 min 58 s
